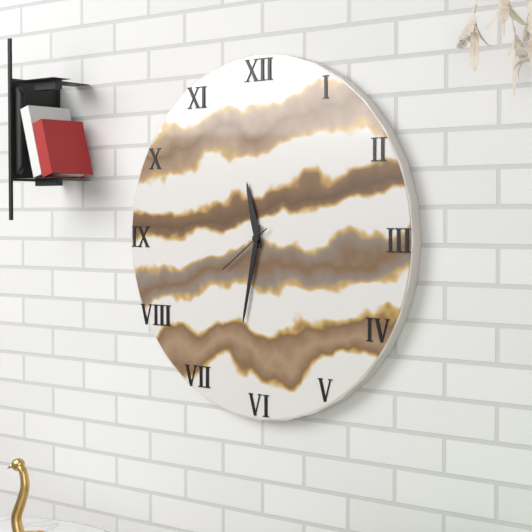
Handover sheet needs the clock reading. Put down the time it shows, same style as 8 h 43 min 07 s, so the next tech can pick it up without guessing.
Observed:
11 h 32 min 39 s
